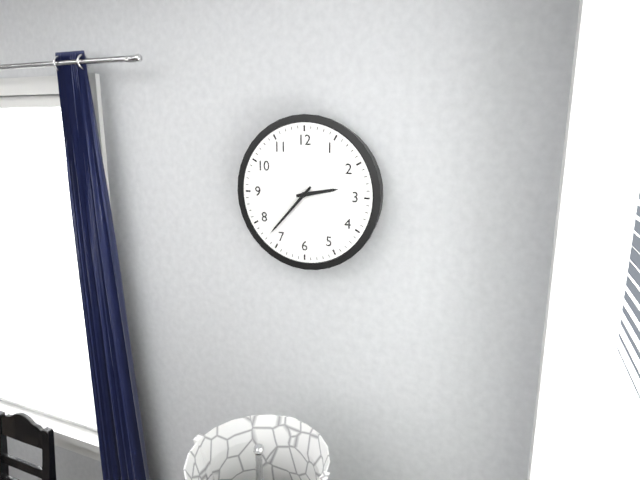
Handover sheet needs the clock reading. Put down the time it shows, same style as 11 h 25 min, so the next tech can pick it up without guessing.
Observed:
2 h 37 min
